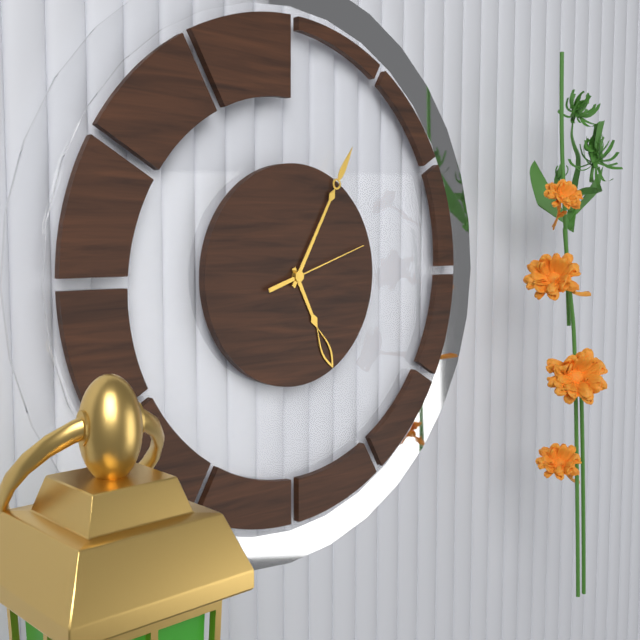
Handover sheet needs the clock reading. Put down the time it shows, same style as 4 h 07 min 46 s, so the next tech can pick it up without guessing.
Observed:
5 h 05 min 12 s
